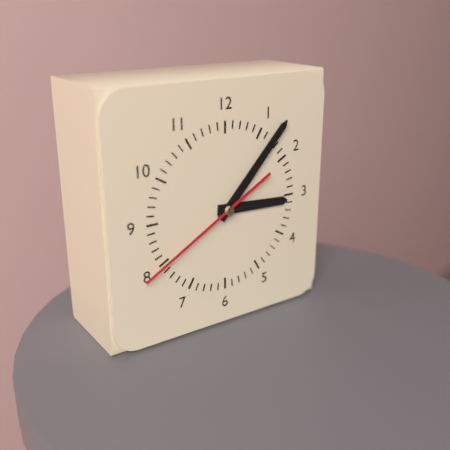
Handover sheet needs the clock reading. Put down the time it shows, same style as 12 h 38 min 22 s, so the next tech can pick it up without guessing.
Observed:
3 h 07 min 40 s
